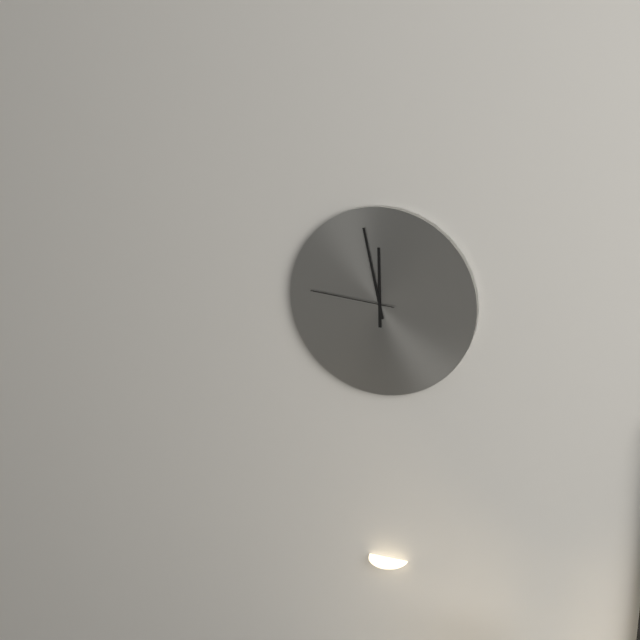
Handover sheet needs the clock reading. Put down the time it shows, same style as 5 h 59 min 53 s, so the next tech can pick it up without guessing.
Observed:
11 h 58 min 46 s
